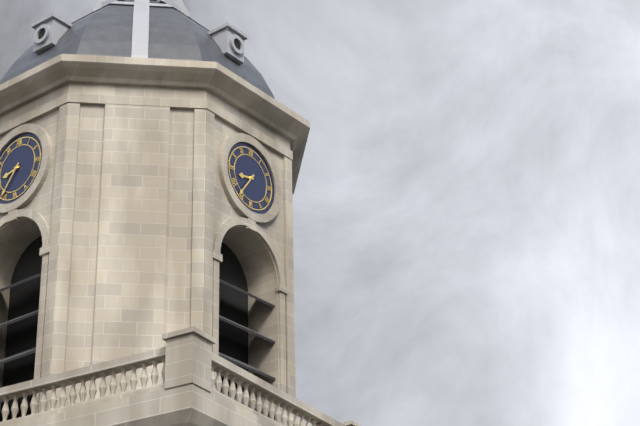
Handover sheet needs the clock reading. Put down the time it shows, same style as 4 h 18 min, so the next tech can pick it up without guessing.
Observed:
8 h 36 min
